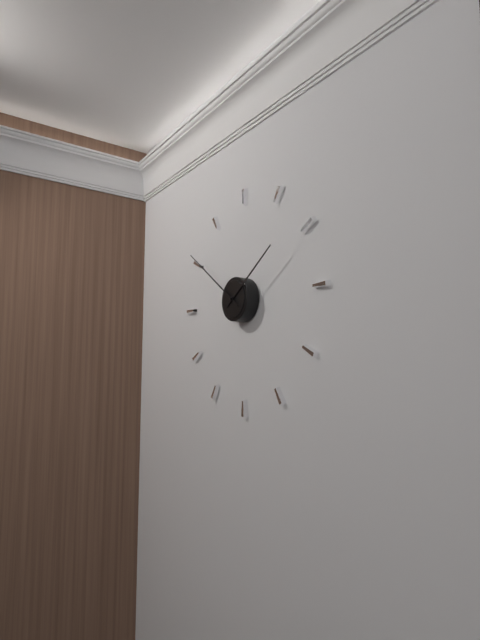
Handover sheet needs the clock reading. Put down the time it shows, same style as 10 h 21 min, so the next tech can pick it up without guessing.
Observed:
1 h 51 min
